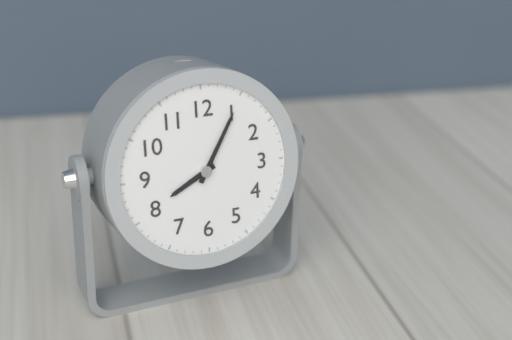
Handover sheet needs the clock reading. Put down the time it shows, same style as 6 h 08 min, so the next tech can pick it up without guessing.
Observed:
8 h 05 min
